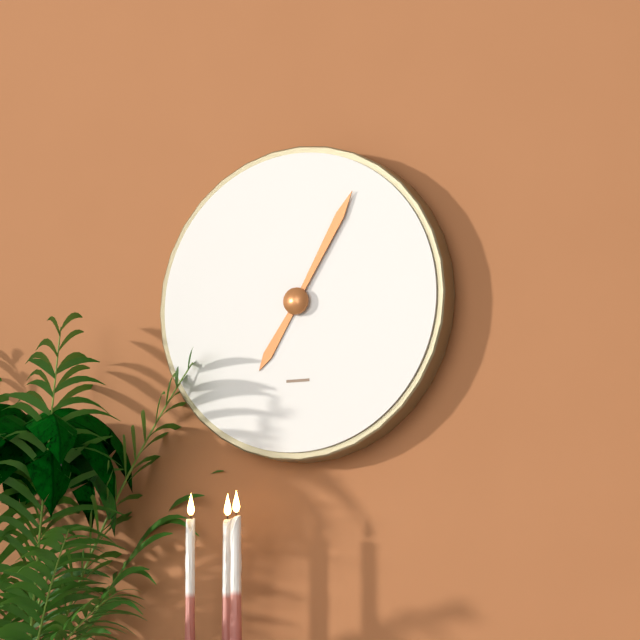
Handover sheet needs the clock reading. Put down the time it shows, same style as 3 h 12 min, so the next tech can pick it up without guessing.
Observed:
7 h 05 min
